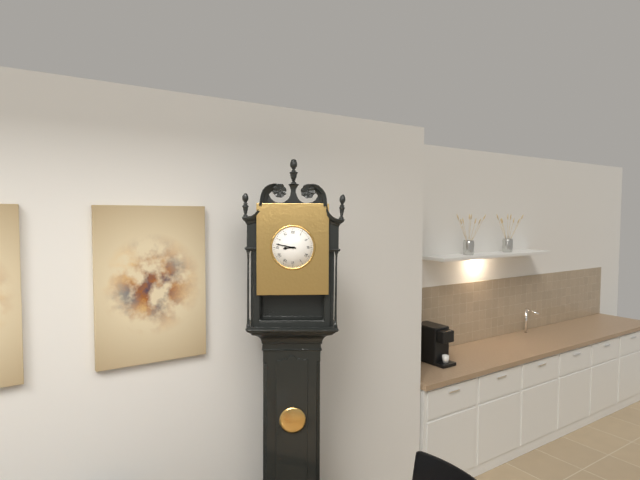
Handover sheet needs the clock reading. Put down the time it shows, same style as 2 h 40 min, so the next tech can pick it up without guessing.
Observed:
8 h 47 min
